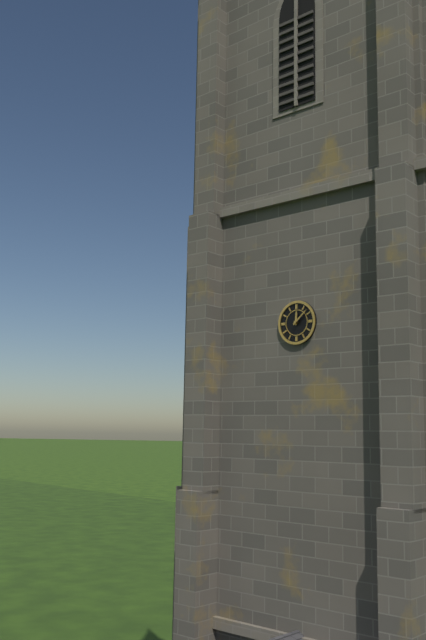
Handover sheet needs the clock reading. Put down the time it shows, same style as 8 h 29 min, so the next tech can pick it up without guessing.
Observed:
12 h 08 min
